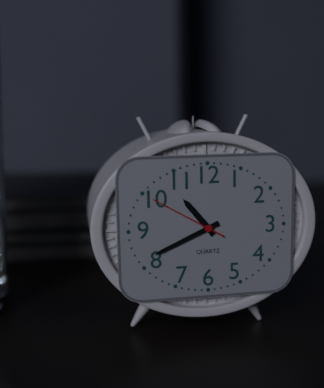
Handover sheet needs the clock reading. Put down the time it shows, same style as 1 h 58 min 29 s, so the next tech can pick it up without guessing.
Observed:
10 h 41 min 50 s
